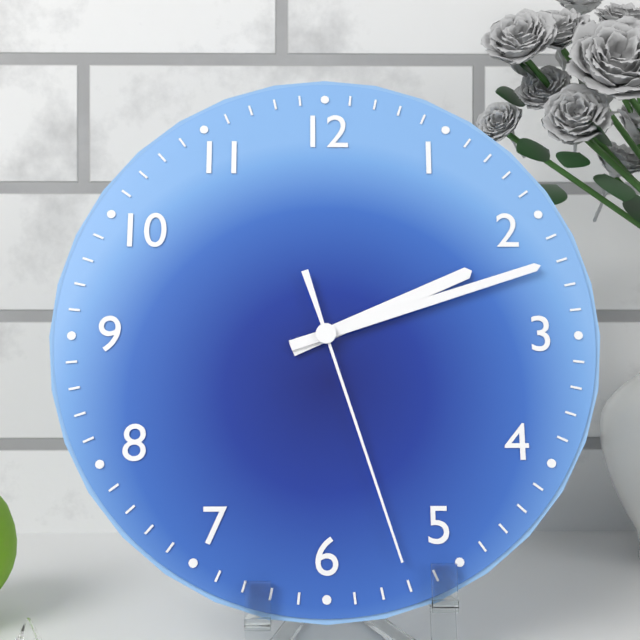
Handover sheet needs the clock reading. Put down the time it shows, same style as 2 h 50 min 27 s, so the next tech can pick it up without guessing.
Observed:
2 h 12 min 27 s
